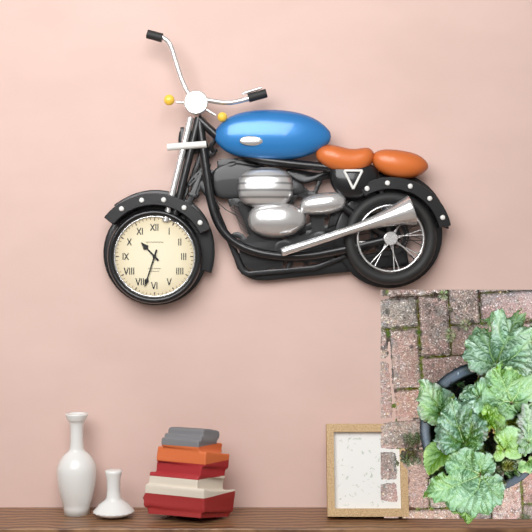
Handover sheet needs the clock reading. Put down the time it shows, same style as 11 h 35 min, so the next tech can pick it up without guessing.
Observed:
10 h 33 min
